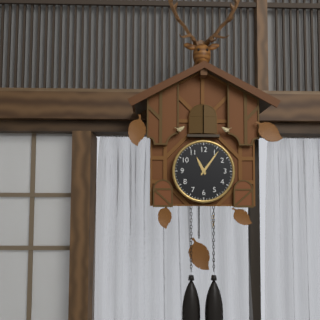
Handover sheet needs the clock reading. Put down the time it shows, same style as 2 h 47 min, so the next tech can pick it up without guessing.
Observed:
11 h 06 min
